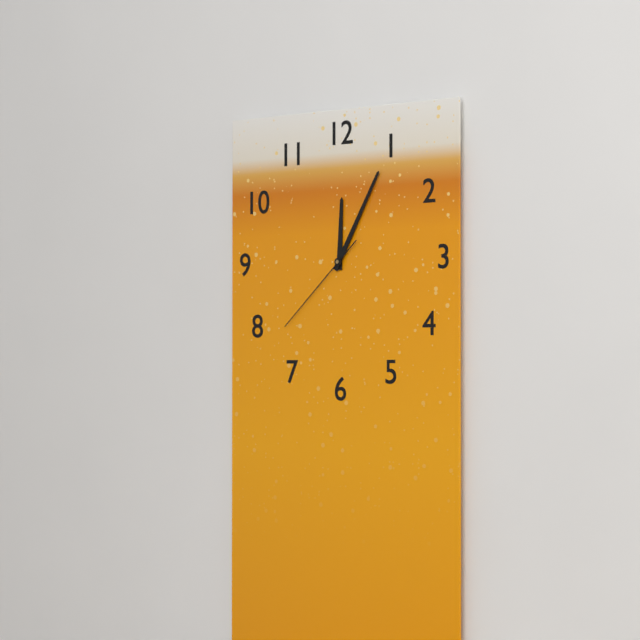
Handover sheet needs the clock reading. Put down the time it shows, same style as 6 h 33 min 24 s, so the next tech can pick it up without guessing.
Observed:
12 h 05 min 38 s
